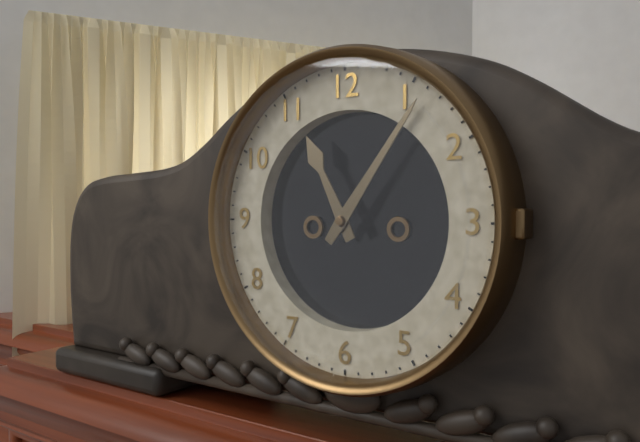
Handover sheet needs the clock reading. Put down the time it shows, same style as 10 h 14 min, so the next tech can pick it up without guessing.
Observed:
11 h 06 min
